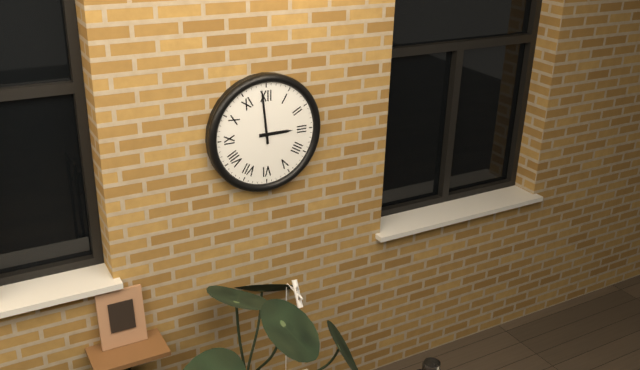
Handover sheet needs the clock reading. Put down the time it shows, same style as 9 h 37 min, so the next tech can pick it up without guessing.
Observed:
2 h 59 min
